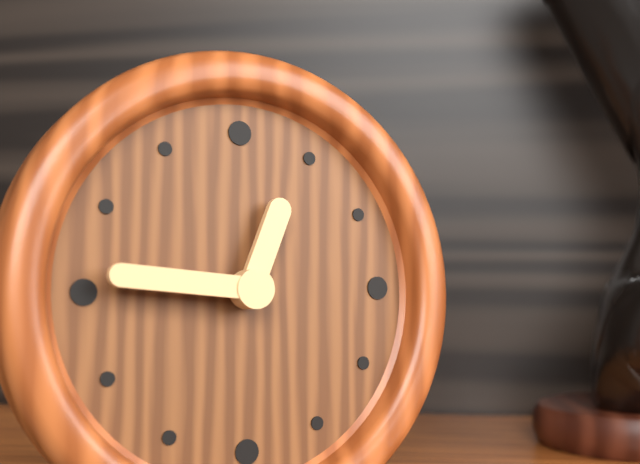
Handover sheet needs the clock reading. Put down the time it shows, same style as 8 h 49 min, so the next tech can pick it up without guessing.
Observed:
12 h 46 min
